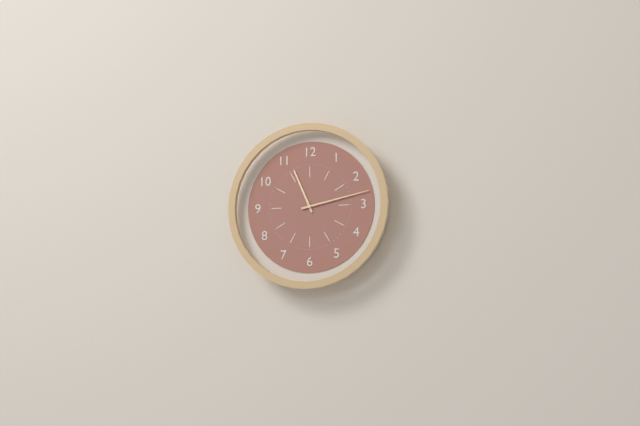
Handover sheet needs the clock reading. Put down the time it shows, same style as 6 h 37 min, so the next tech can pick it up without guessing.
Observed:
11 h 13 min
